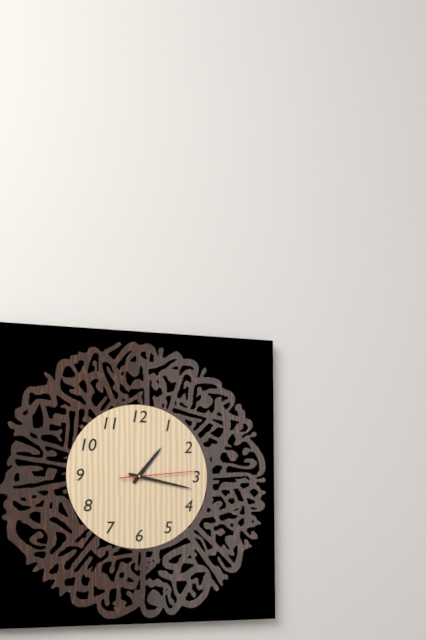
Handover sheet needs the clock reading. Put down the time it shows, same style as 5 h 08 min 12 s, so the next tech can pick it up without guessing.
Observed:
1 h 17 min 14 s
